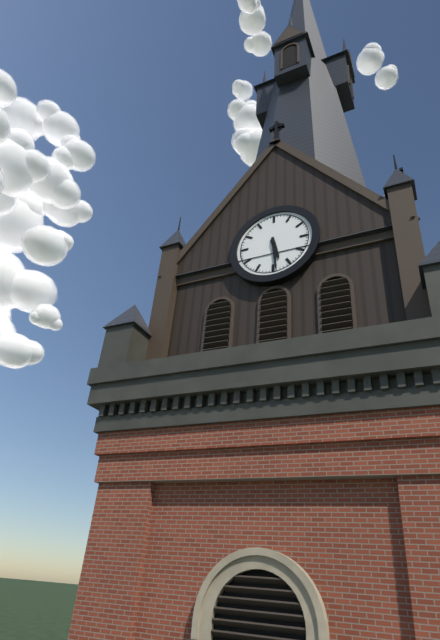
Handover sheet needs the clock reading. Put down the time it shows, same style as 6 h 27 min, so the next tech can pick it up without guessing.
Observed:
5 h 29 min
